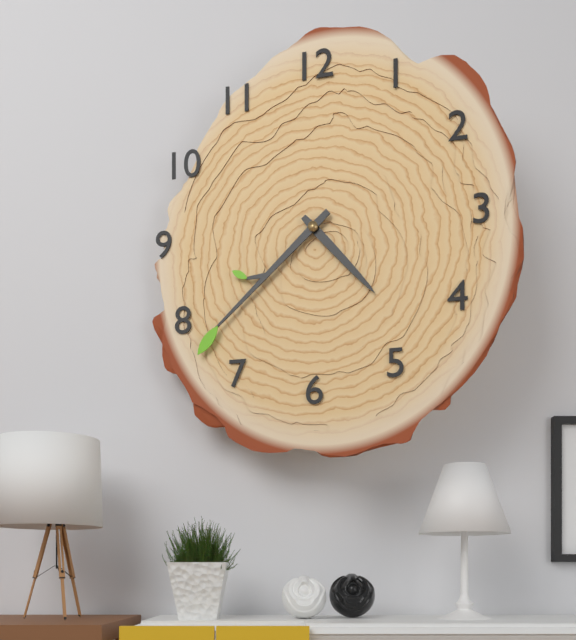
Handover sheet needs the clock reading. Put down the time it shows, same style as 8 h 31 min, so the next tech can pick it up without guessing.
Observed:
4 h 38 min
